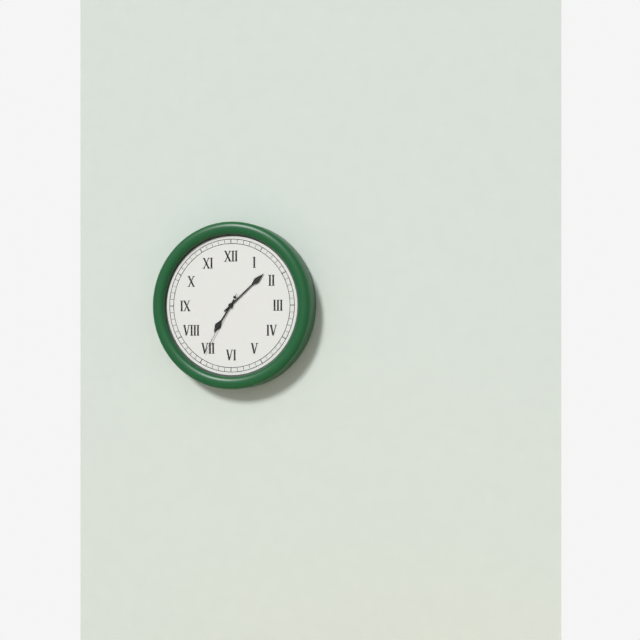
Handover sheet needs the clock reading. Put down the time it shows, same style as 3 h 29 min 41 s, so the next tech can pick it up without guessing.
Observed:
7 h 08 min 35 s
